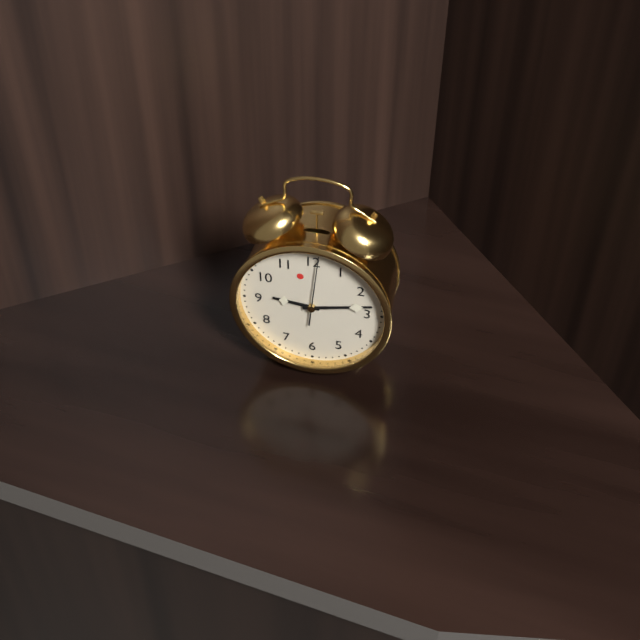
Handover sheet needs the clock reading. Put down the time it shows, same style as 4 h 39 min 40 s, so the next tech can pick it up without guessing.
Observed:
9 h 13 min 01 s
